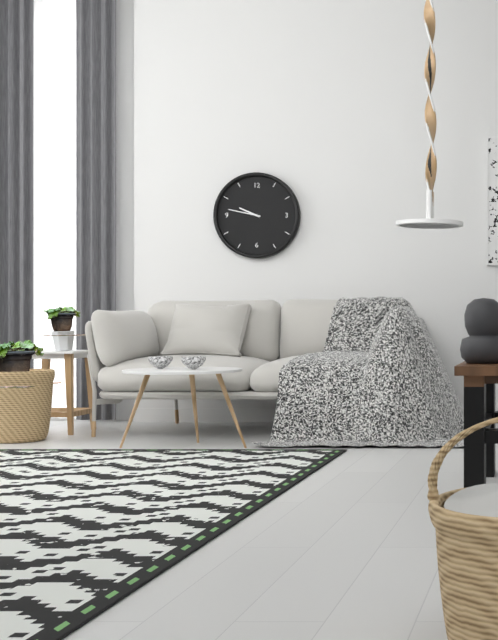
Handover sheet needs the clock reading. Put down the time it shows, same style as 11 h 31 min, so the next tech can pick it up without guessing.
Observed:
9 h 47 min
